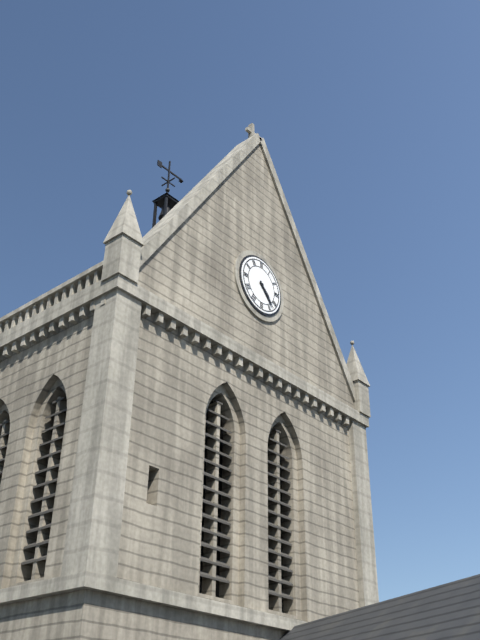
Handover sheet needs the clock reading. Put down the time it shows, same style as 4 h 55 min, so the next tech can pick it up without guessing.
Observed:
4 h 23 min
